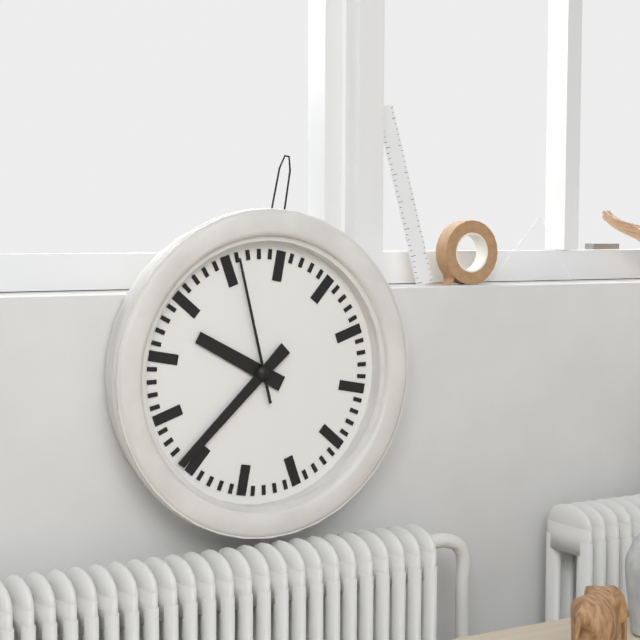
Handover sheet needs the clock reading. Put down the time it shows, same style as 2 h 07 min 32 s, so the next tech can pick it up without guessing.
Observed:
9 h 36 min 56 s
